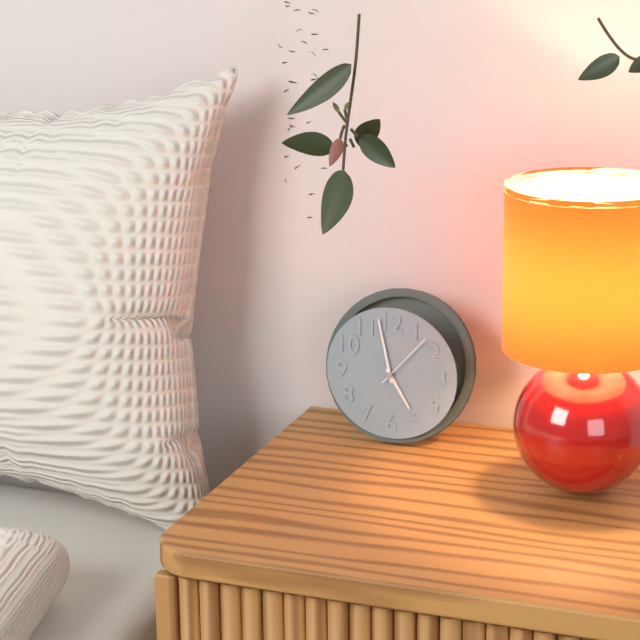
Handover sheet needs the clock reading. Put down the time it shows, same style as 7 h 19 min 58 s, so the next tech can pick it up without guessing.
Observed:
4 h 58 min 07 s
